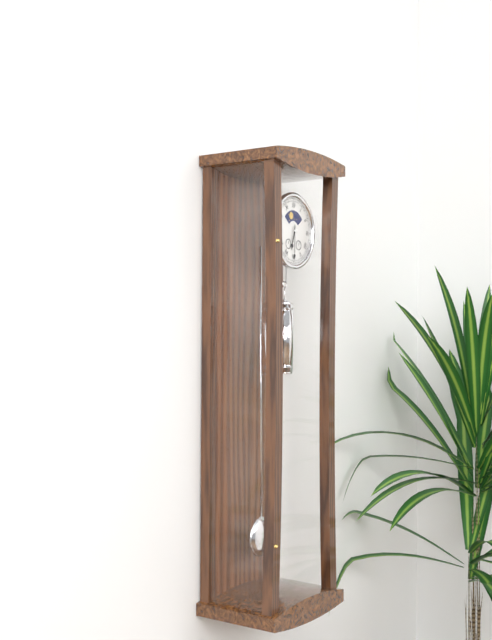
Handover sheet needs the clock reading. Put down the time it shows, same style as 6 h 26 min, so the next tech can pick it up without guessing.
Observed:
6 h 30 min
